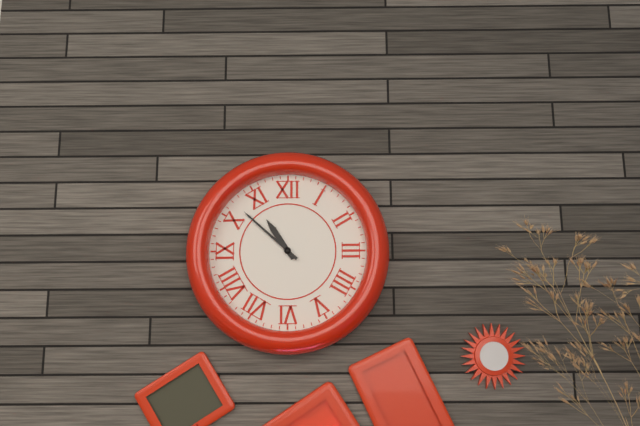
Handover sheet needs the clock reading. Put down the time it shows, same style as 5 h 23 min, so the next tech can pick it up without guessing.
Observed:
10 h 52 min
